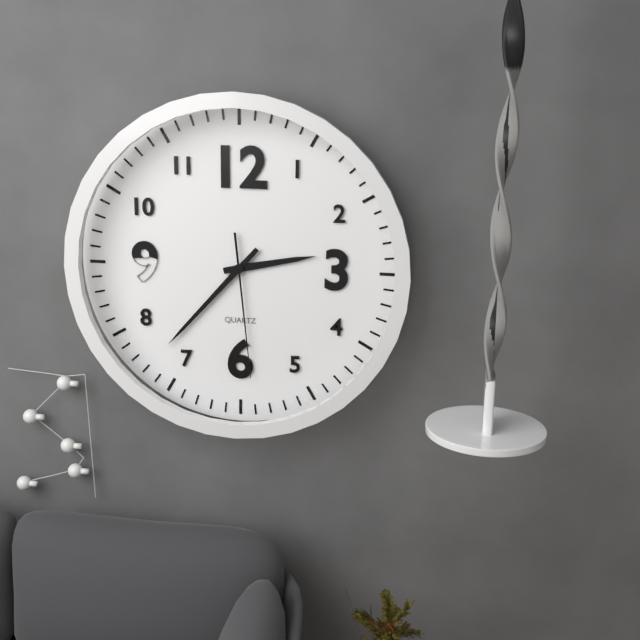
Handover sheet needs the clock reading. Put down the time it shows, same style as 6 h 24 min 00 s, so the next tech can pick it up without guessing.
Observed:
2 h 37 min 29 s
